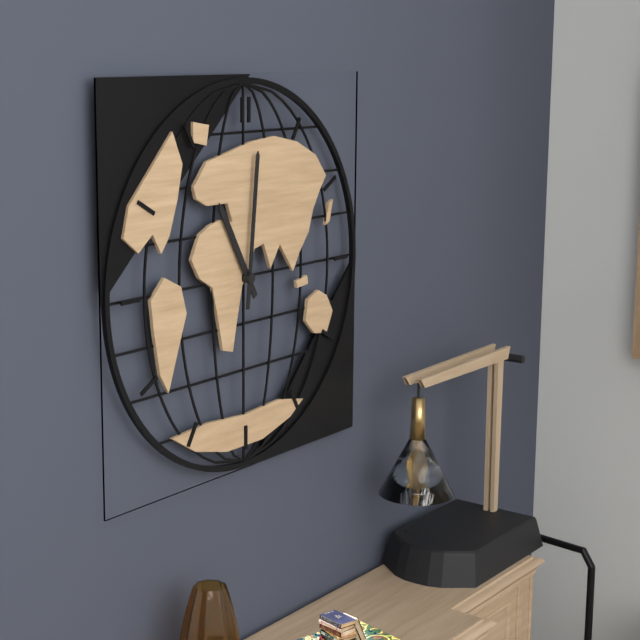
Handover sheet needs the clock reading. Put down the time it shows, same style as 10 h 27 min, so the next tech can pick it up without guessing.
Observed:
11 h 01 min
